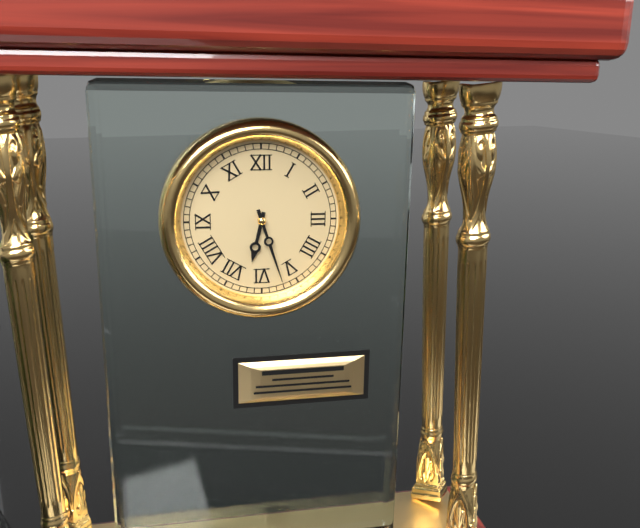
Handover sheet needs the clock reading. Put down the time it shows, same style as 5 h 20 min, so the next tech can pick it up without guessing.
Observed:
6 h 27 min
